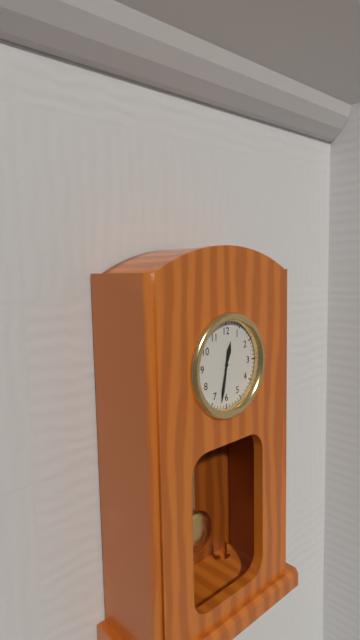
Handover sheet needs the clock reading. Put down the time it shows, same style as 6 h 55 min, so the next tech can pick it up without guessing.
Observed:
12 h 32 min
